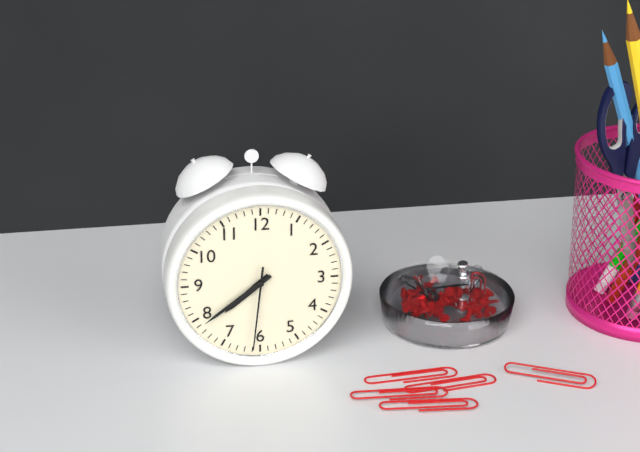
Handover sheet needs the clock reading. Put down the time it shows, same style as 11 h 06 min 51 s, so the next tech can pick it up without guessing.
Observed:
7 h 39 min 31 s
